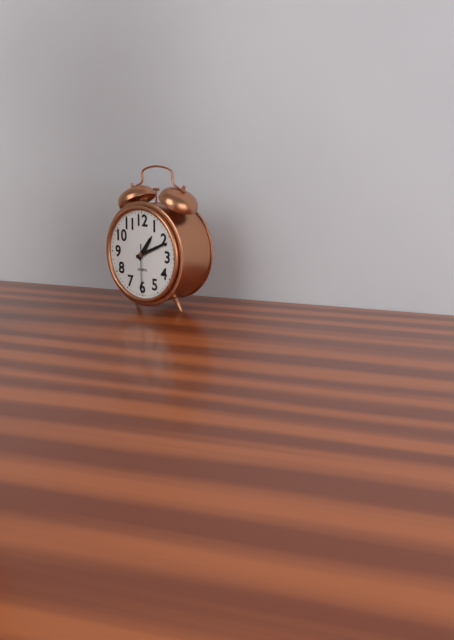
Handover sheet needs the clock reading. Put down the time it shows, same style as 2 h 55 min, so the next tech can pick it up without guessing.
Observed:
1 h 11 min
